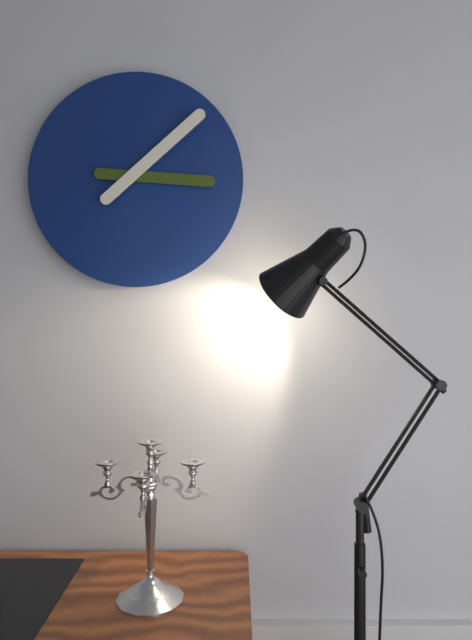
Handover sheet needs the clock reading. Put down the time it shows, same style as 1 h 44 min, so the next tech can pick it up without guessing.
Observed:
3 h 08 min
